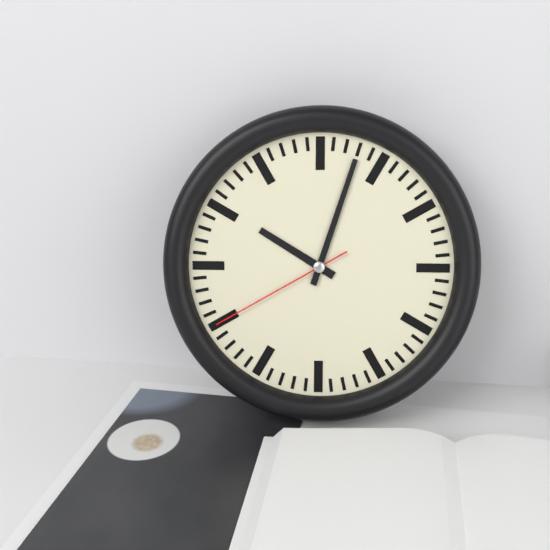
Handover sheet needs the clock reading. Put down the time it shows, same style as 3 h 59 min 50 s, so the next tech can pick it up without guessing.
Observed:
10 h 03 min 40 s
